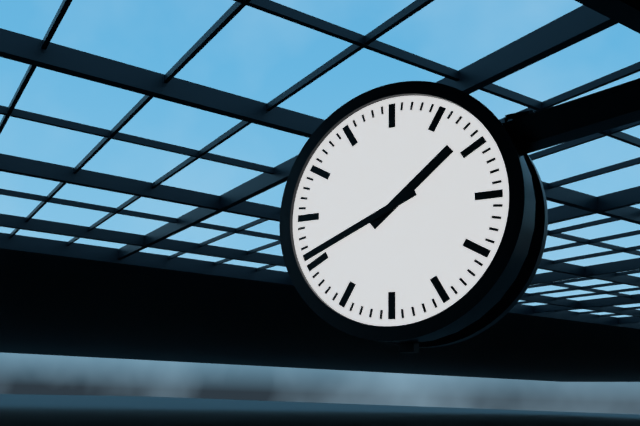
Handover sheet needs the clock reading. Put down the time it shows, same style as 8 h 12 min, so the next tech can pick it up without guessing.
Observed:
1 h 41 min
